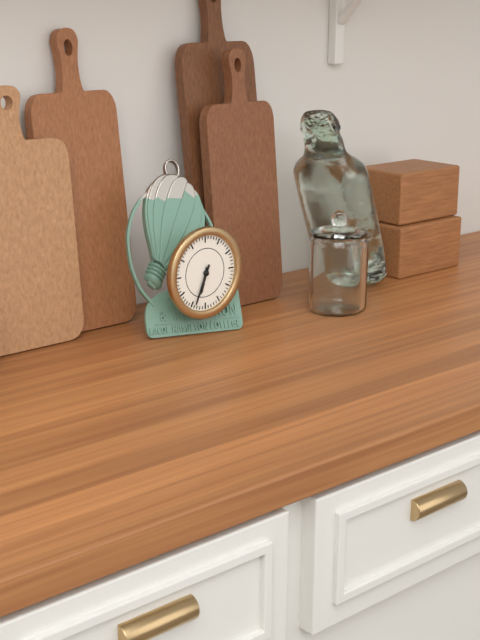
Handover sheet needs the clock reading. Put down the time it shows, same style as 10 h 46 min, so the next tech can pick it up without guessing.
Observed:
6 h 34 min
